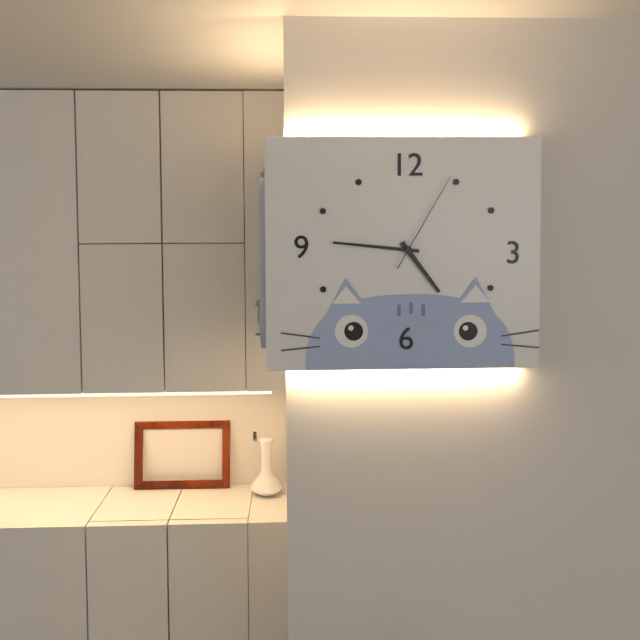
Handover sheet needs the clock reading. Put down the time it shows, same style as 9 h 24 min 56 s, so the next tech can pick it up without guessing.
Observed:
4 h 46 min 05 s
